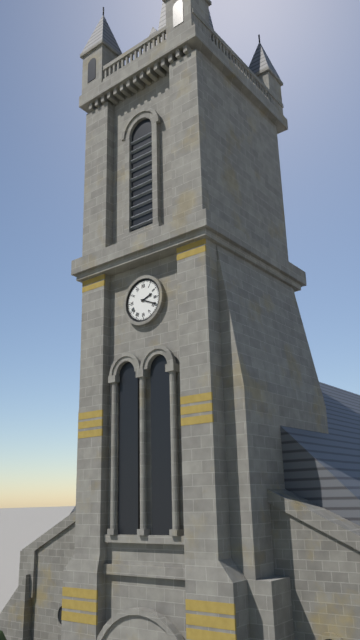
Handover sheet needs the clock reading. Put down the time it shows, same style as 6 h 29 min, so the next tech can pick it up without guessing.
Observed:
2 h 19 min
